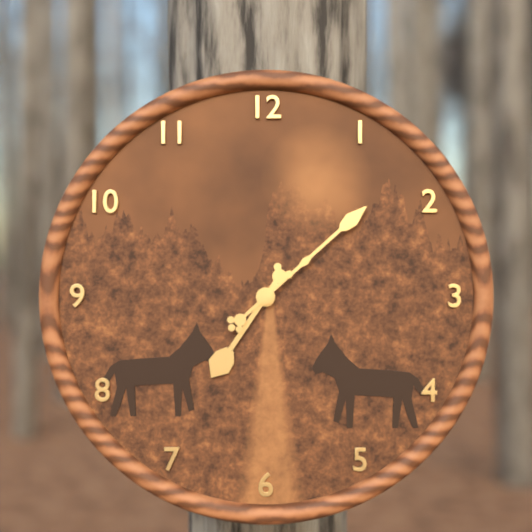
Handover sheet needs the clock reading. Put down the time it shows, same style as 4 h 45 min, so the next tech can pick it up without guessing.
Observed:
7 h 08 min
